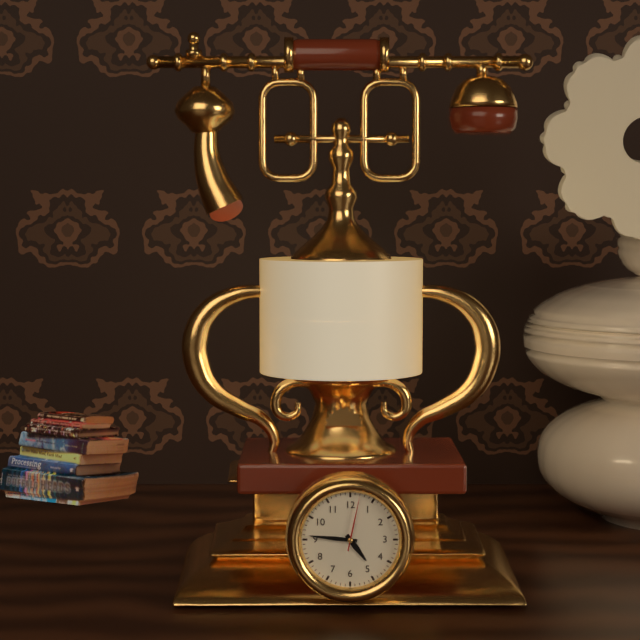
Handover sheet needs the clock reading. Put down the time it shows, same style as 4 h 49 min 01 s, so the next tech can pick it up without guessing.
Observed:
4 h 46 min 02 s
